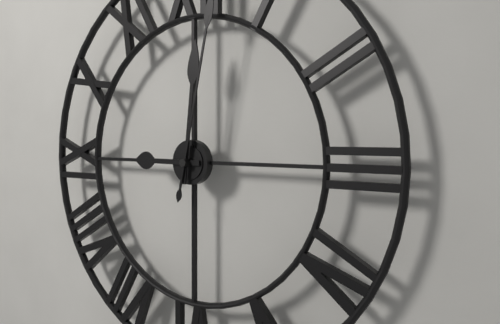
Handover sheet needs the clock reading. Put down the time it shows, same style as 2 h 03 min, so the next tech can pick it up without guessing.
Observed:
9 h 01 min
